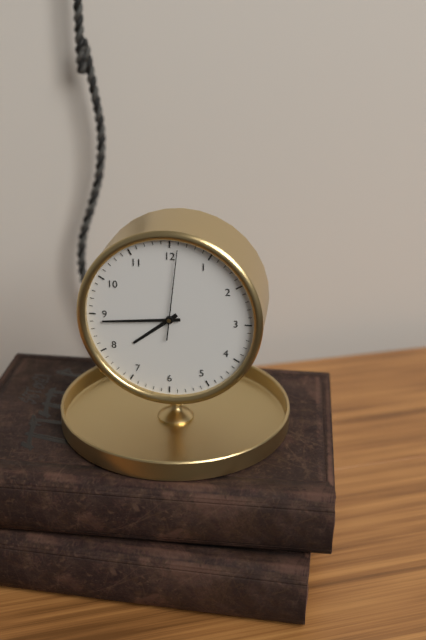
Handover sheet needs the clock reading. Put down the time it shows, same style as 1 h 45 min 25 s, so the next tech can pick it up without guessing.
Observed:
7 h 44 min 01 s
